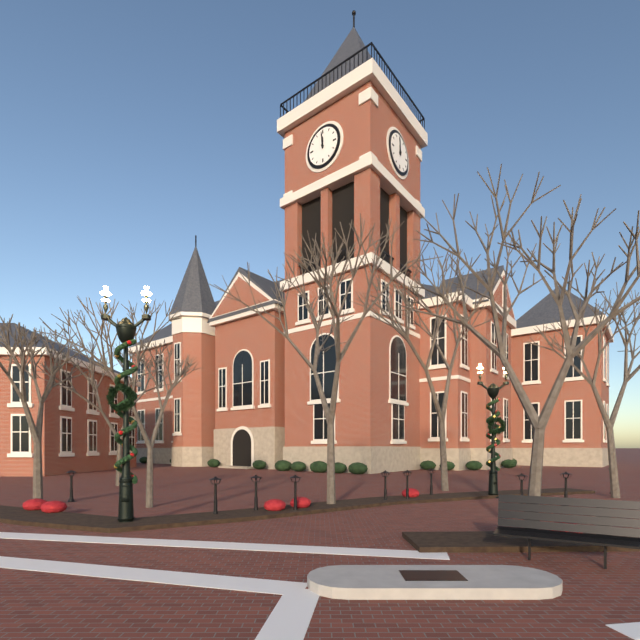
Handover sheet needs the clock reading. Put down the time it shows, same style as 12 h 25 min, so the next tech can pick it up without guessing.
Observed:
11 h 59 min
